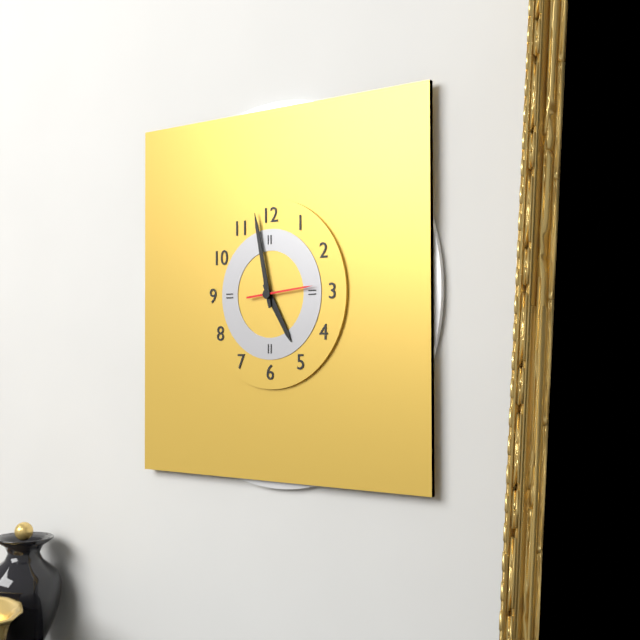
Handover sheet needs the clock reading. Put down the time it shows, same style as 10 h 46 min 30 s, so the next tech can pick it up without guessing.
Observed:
4 h 58 min 14 s
